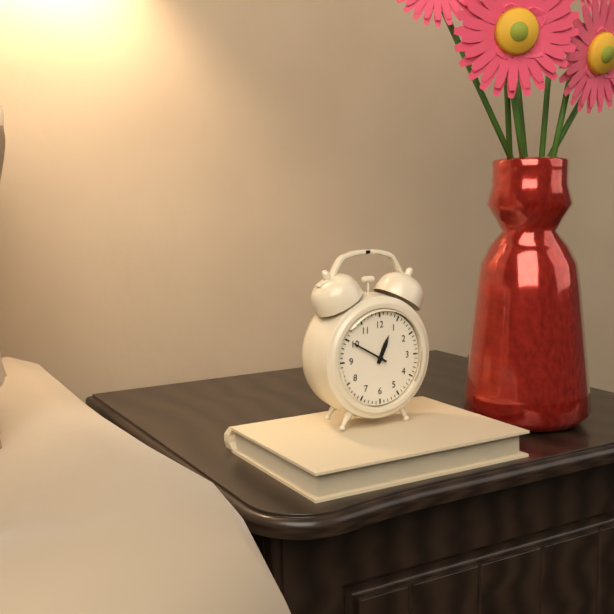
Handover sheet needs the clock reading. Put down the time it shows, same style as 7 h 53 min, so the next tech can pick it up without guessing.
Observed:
12 h 50 min
